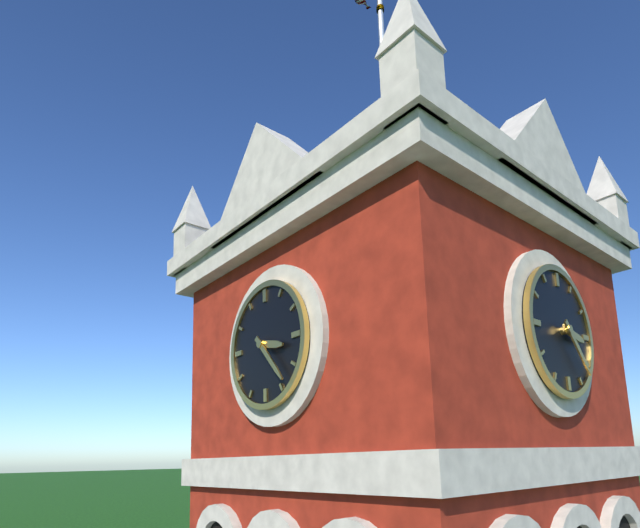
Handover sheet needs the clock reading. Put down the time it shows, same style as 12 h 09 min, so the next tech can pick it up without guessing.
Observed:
3 h 23 min
